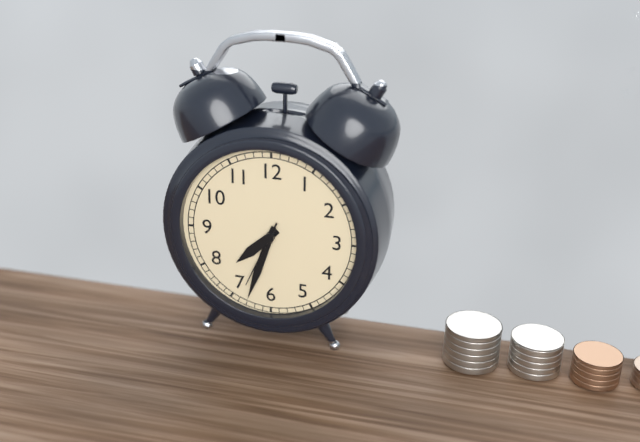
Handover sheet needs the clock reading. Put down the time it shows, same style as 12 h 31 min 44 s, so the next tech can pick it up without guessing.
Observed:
7 h 33 min 34 s
